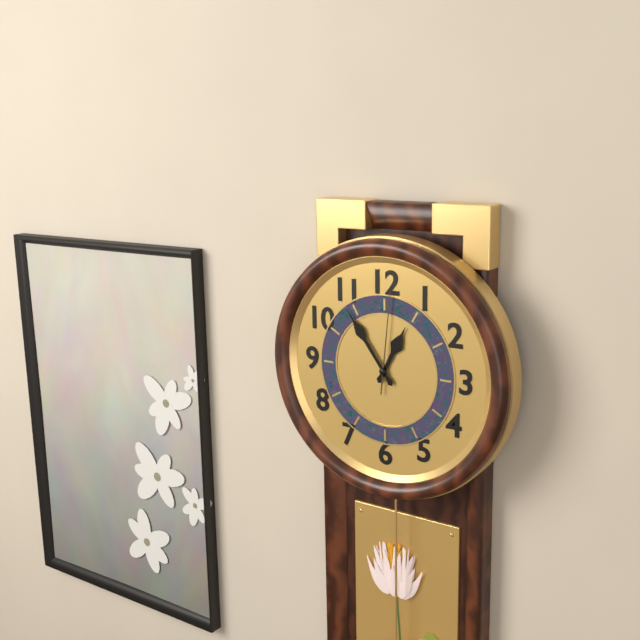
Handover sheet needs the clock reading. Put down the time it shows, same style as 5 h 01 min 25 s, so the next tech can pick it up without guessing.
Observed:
12 h 54 min 01 s
